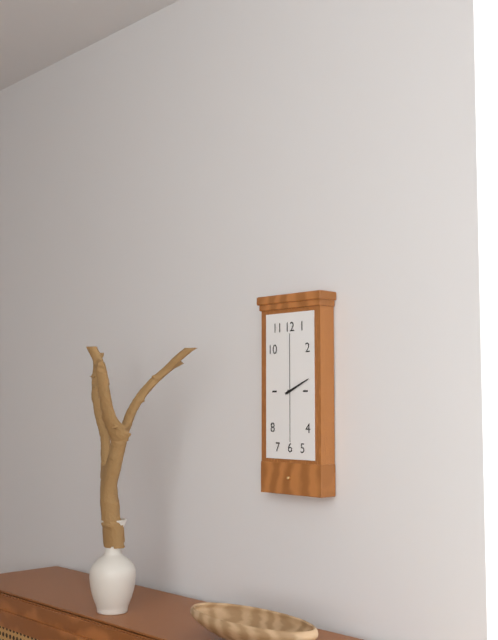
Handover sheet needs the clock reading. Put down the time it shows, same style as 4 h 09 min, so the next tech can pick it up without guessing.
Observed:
2 h 11 min
